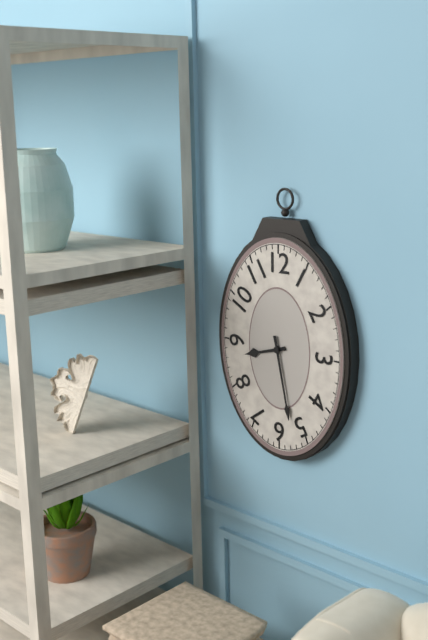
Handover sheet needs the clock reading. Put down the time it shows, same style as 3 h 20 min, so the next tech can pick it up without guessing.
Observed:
8 h 28 min
